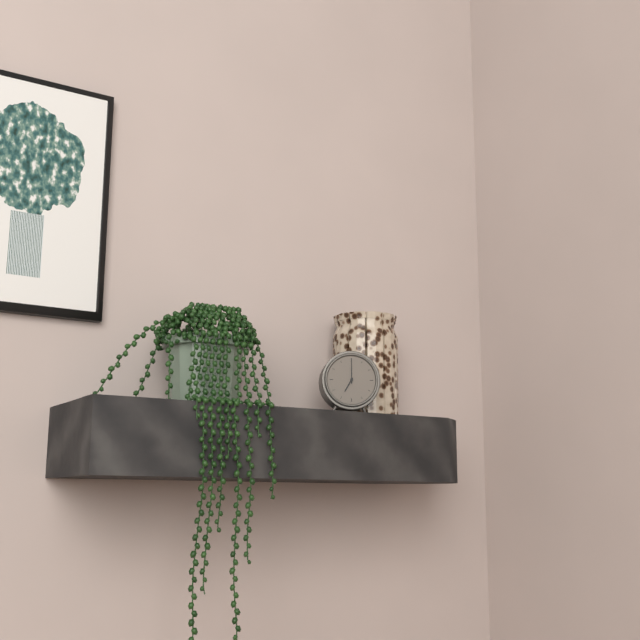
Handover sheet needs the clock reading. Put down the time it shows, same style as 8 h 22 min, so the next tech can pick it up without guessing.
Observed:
7 h 00 min
